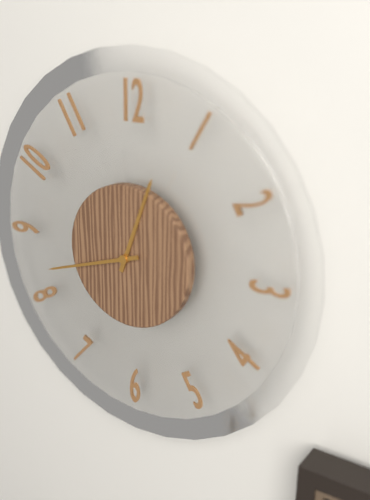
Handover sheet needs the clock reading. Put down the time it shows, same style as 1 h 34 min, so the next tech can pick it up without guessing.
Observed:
12 h 42 min
